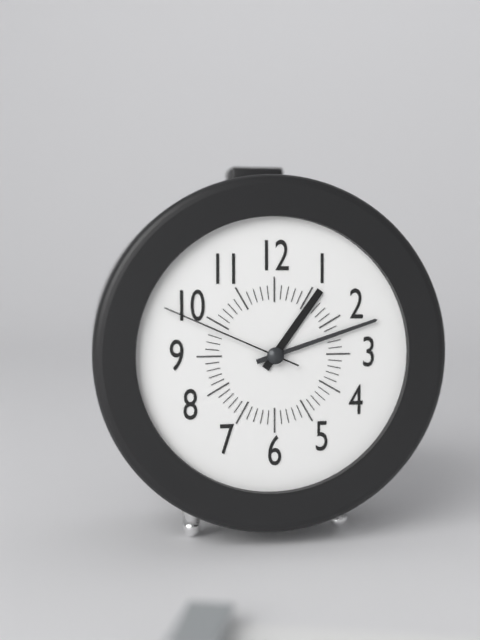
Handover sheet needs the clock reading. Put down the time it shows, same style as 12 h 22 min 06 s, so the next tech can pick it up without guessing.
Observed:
1 h 12 min 49 s
